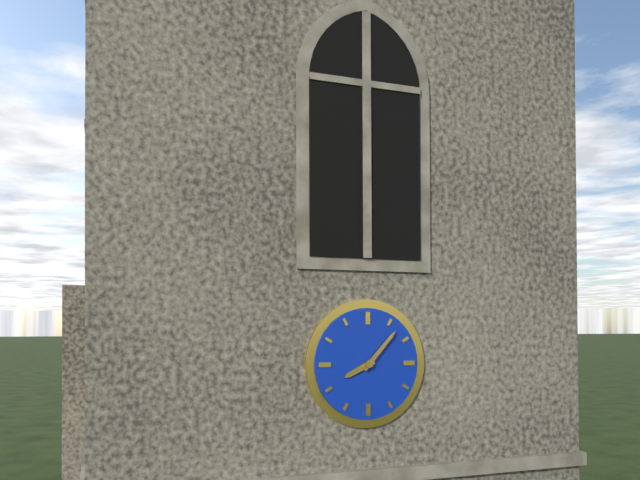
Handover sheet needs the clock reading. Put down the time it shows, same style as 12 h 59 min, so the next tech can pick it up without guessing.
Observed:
8 h 07 min
